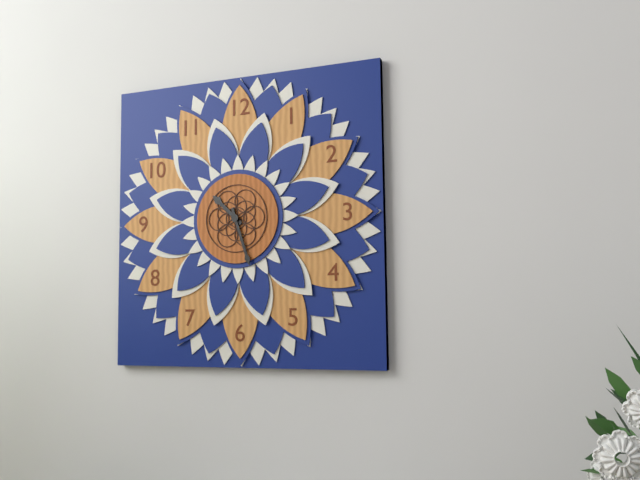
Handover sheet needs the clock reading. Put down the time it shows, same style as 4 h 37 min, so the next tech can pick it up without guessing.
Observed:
10 h 27 min
